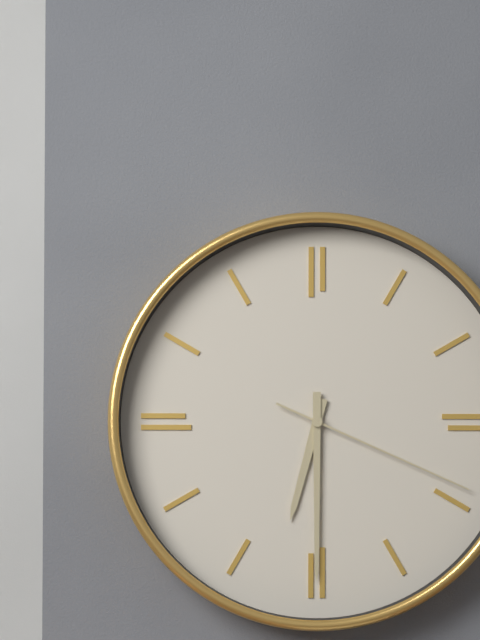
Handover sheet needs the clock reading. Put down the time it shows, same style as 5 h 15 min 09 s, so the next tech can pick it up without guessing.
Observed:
6 h 30 min 19 s
